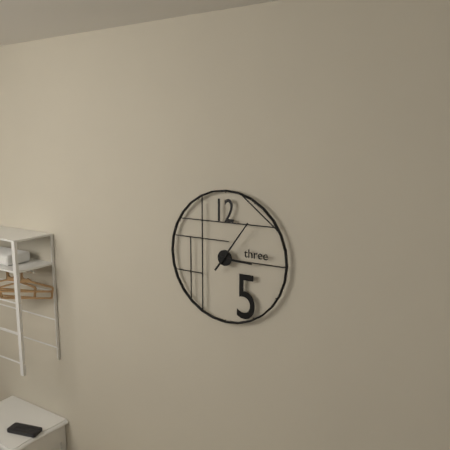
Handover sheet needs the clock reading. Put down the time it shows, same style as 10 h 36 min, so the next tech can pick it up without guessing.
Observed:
3 h 06 min
